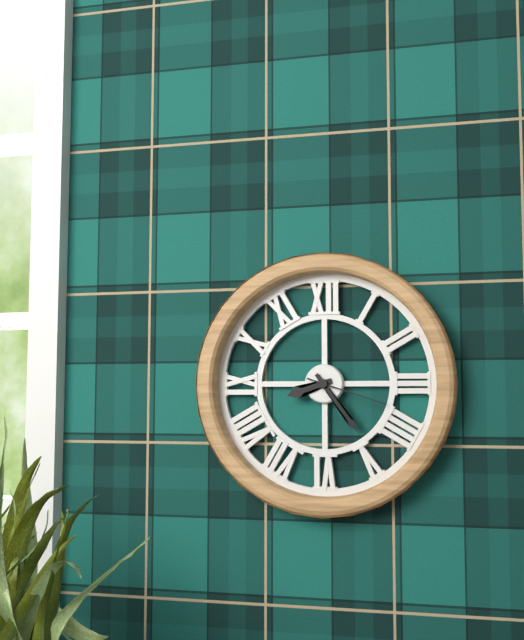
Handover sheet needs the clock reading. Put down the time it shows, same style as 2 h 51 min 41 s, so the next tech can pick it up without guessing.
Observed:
8 h 24 min 18 s
